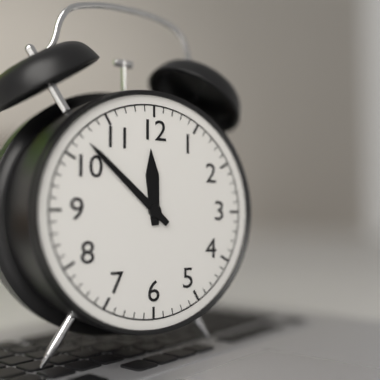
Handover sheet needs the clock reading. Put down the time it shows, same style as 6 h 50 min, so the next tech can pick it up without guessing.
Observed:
11 h 52 min
